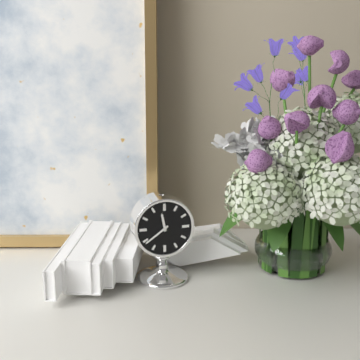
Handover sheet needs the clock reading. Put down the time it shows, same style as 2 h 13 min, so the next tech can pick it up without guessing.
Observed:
11 h 39 min
